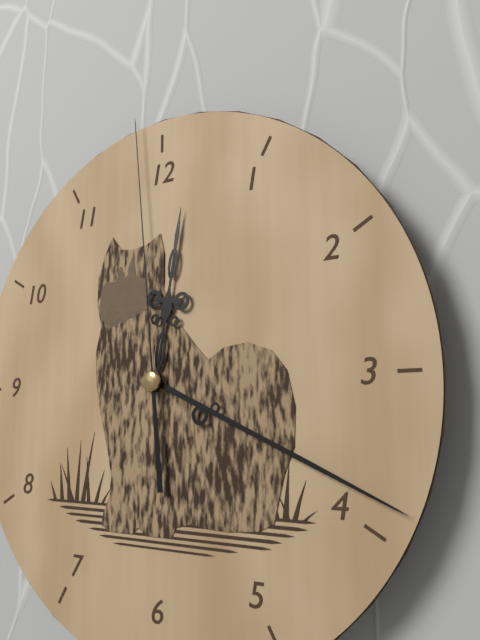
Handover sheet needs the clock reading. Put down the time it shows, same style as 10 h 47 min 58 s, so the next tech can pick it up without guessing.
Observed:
12 h 19 min 59 s
